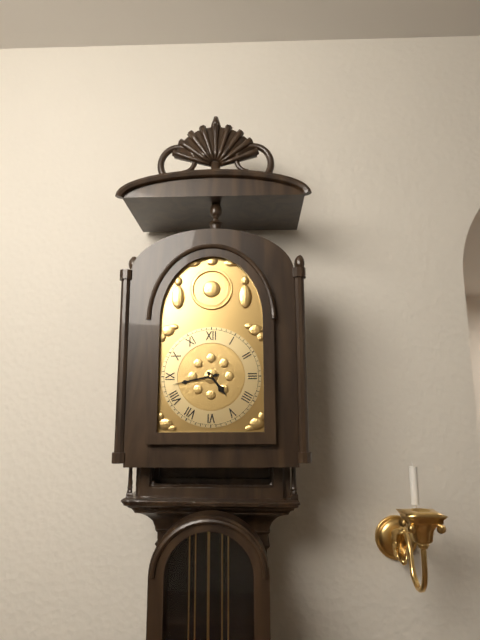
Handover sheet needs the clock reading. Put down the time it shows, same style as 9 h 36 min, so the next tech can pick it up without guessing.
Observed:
4 h 43 min
